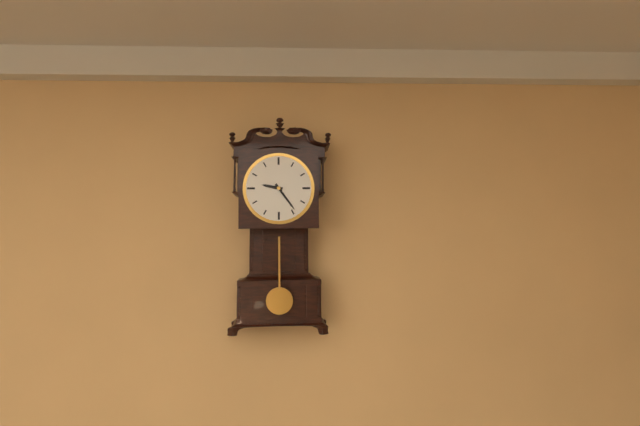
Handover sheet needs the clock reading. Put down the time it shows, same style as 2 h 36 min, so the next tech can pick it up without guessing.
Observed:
9 h 24 min
